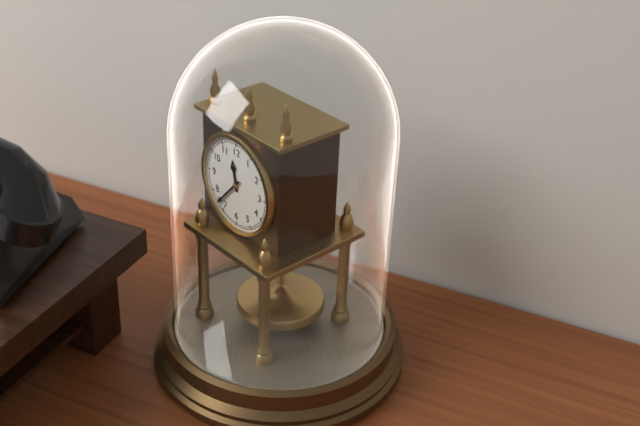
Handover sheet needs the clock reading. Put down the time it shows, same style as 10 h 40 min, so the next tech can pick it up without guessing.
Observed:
11 h 37 min
